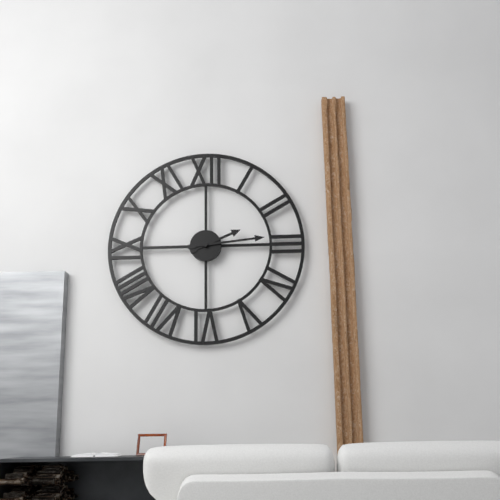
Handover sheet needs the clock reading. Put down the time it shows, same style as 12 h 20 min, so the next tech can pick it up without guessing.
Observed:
2 h 14 min
